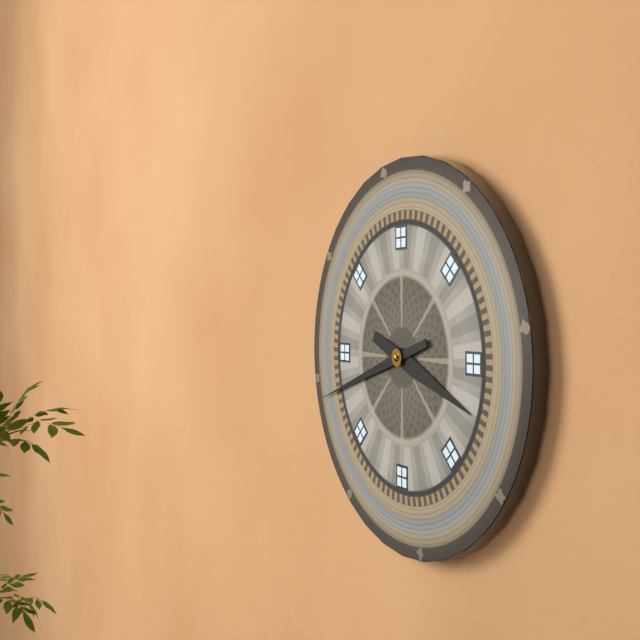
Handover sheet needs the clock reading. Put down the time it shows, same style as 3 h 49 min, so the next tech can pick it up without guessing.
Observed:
3 h 42 min
